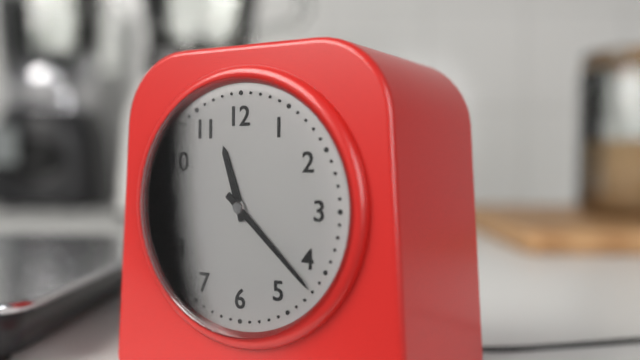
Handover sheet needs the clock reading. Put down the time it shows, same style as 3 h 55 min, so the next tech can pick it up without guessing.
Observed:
11 h 22 min
